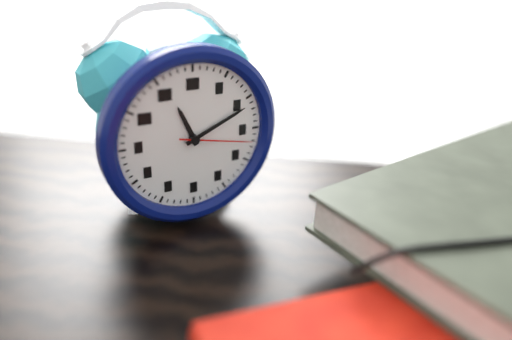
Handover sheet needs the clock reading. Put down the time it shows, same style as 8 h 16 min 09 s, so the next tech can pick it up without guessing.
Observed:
11 h 11 min 17 s
